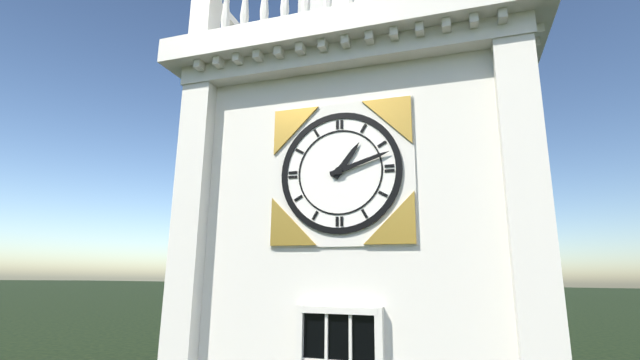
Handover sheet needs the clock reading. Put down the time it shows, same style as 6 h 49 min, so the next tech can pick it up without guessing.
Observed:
1 h 12 min
